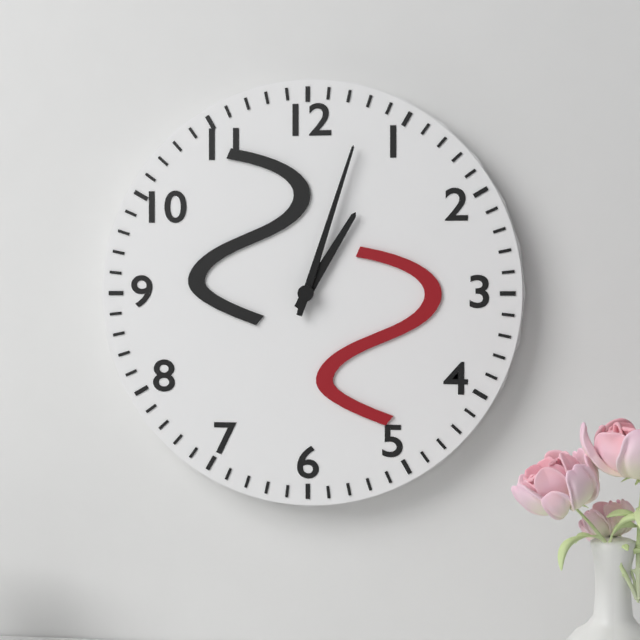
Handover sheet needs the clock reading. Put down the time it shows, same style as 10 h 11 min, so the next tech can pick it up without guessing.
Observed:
1 h 03 min
